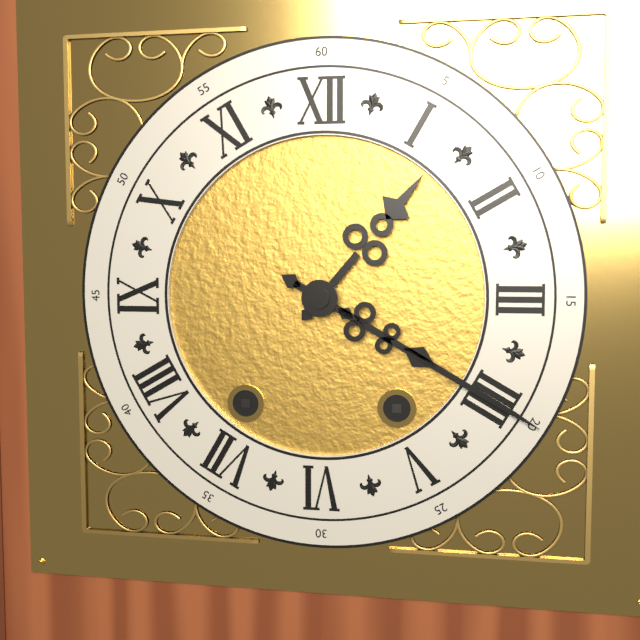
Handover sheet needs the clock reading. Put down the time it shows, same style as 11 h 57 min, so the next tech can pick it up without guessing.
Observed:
1 h 20 min
